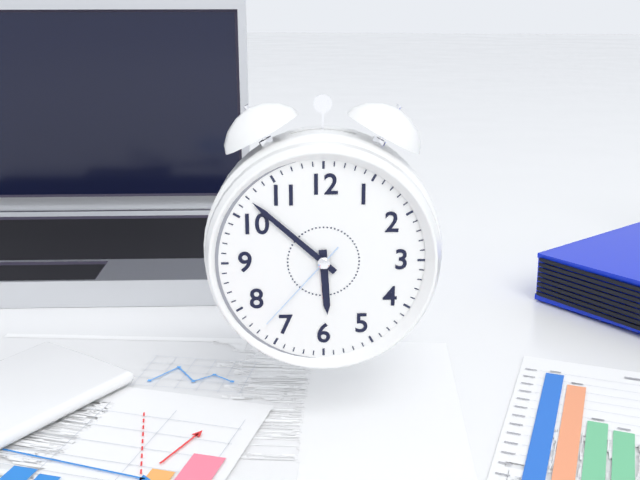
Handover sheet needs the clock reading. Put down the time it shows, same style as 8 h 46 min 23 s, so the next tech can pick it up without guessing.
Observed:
5 h 52 min 37 s
